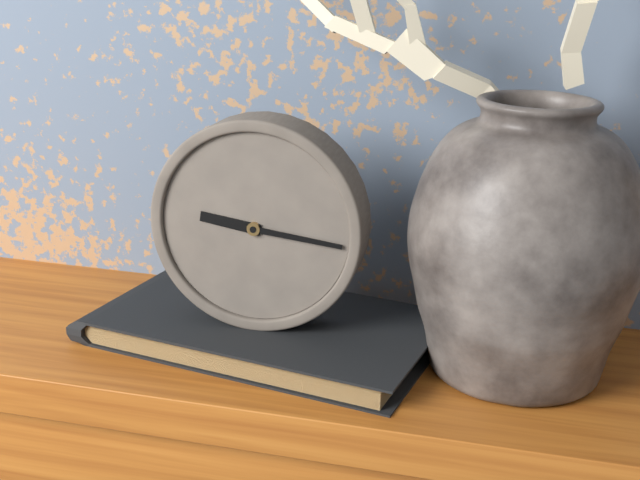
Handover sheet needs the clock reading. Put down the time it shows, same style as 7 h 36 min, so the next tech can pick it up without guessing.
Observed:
9 h 16 min
